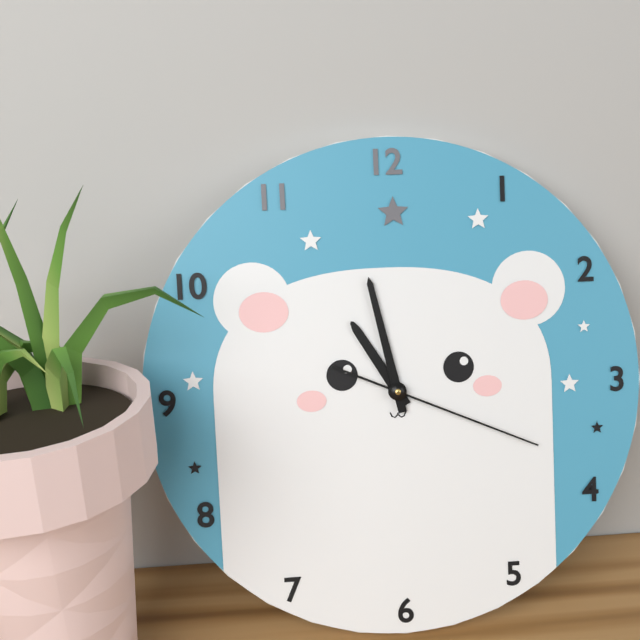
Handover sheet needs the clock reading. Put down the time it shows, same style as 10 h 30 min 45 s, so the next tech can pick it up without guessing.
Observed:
10 h 58 min 19 s
